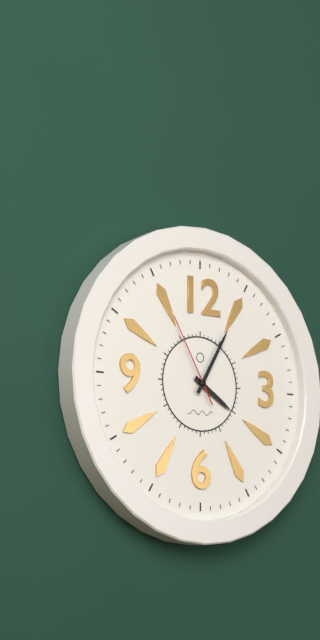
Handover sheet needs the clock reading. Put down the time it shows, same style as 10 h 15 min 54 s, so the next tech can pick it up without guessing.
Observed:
4 h 05 min 55 s
